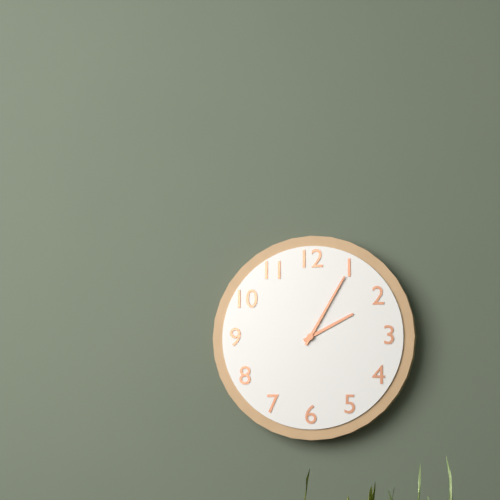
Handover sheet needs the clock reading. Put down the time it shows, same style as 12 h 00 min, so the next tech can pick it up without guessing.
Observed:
2 h 05 min
